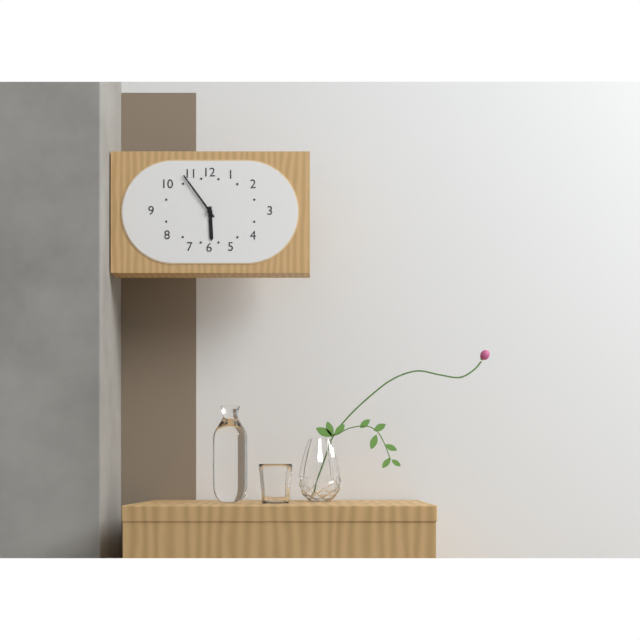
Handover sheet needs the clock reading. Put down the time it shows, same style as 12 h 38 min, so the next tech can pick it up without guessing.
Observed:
5 h 54 min
